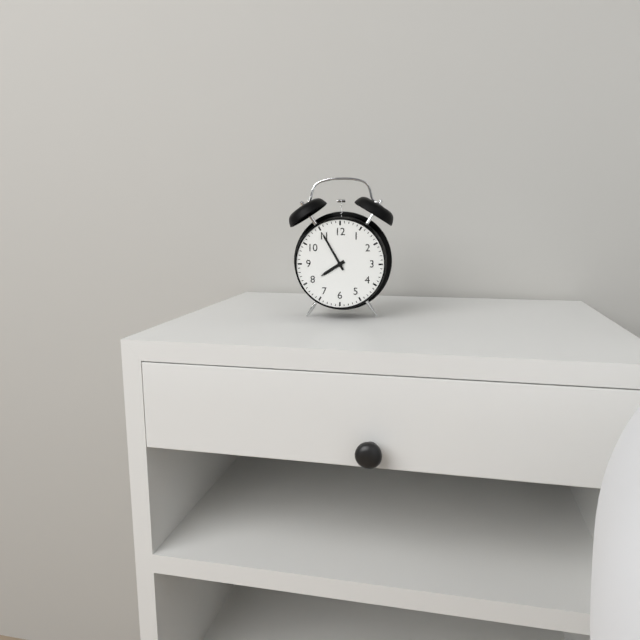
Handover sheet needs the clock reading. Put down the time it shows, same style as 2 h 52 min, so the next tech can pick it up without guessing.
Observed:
7 h 55 min
